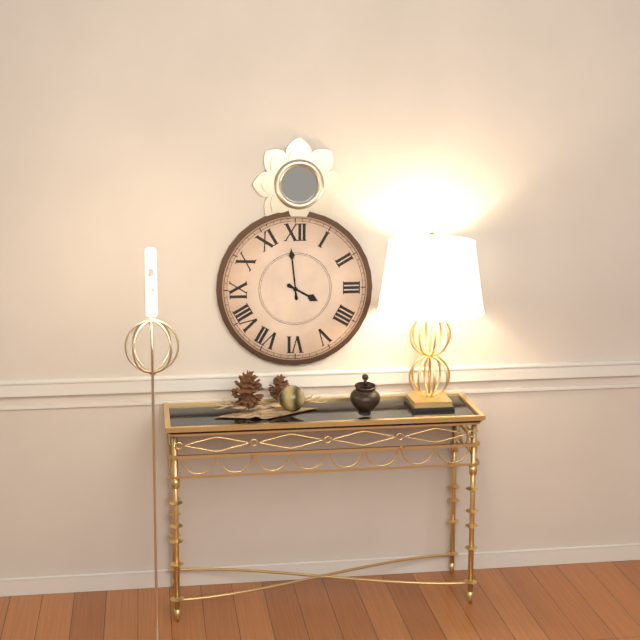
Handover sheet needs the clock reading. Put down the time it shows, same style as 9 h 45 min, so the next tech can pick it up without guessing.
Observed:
3 h 59 min
